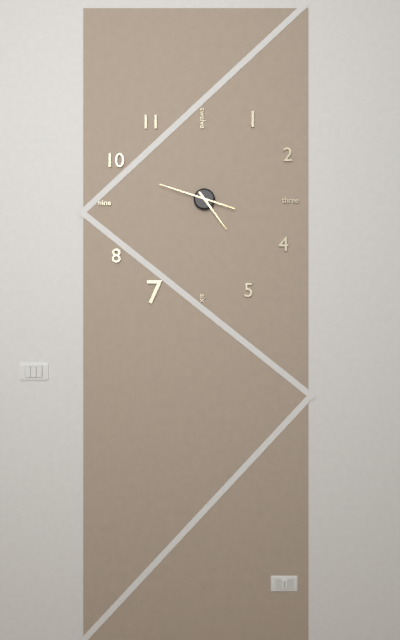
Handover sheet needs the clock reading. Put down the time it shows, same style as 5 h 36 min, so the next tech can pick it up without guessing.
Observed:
4 h 48 min
